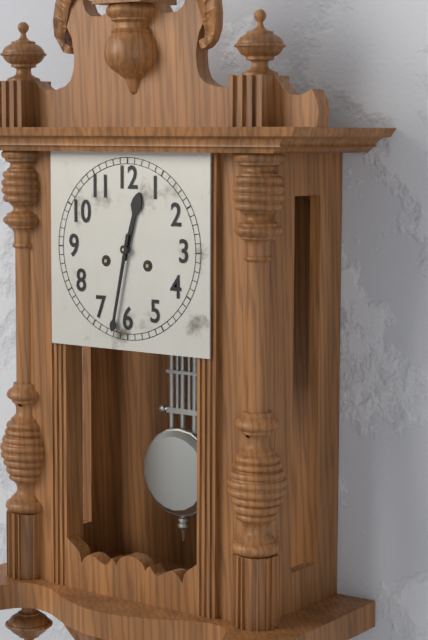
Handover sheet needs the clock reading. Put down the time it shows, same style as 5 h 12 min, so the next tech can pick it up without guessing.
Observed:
12 h 32 min
